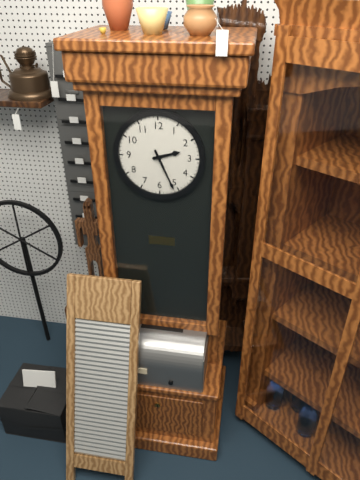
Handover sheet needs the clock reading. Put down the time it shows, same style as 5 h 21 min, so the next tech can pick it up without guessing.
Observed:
2 h 26 min
